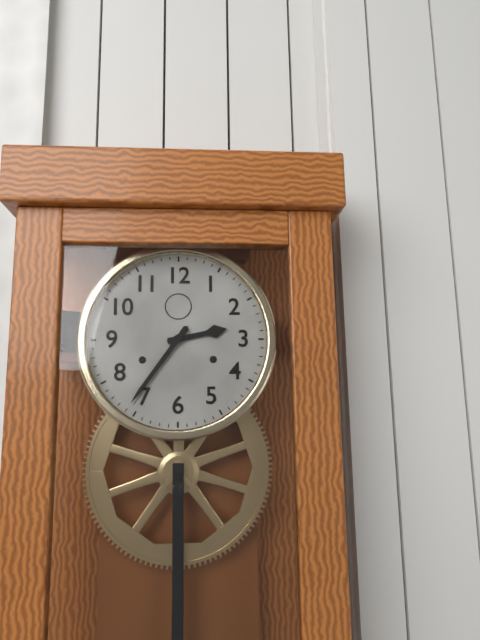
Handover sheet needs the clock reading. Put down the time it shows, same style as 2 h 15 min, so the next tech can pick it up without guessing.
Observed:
2 h 36 min
